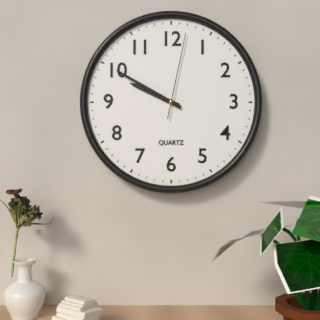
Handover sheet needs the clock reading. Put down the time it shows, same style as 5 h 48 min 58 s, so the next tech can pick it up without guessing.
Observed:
9 h 50 min 02 s
